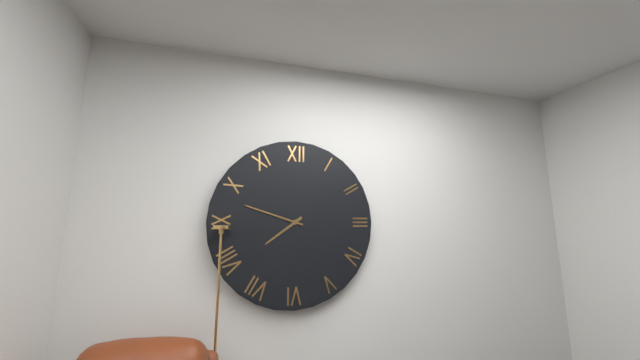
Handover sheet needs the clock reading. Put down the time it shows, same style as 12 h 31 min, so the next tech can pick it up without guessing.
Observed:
7 h 48 min
